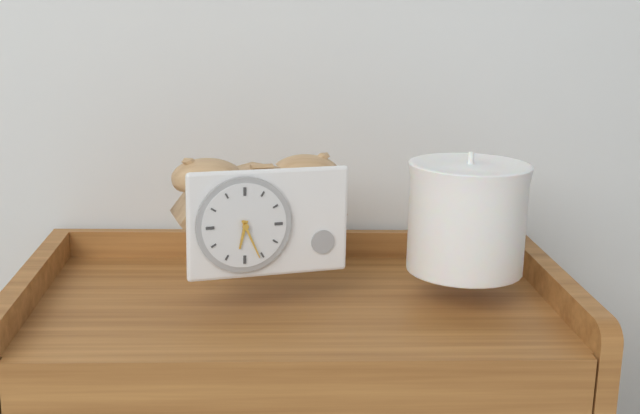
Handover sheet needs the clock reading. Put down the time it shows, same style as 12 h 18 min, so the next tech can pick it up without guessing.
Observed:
6 h 26 min
